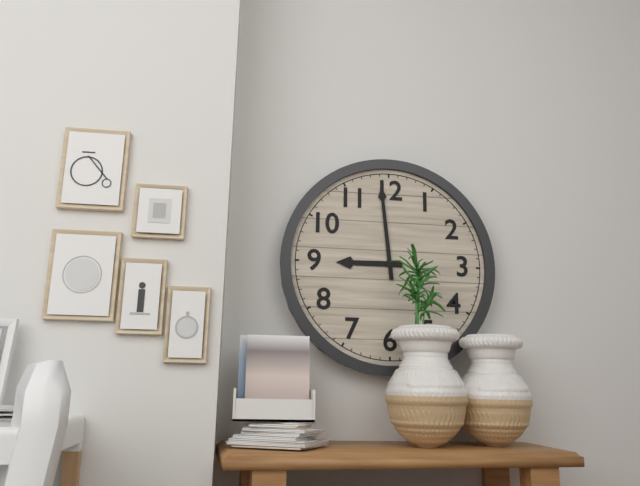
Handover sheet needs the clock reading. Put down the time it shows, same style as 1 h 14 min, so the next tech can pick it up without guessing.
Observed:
8 h 59 min
